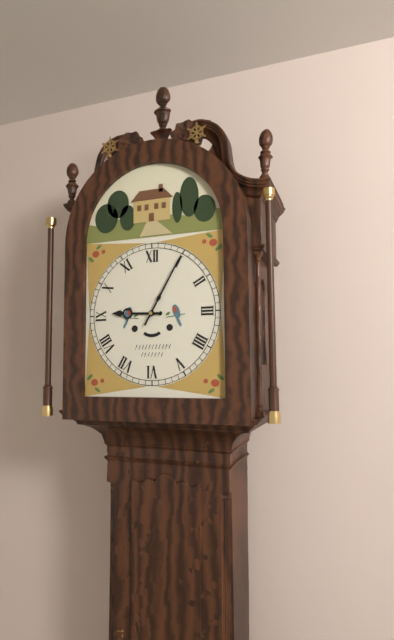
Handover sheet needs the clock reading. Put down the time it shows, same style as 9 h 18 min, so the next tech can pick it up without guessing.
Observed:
9 h 05 min
